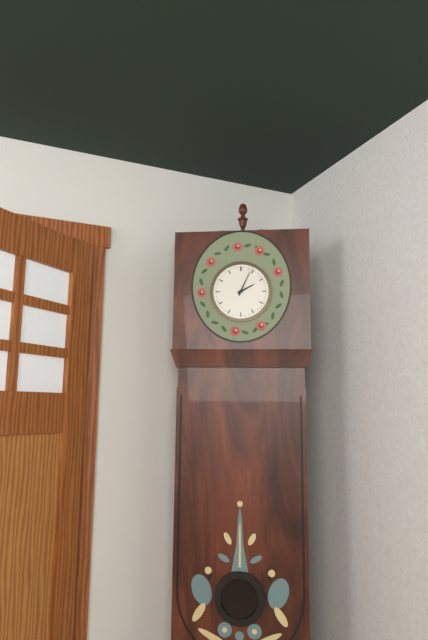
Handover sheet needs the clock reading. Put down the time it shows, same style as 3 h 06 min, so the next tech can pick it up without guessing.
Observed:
2 h 04 min
